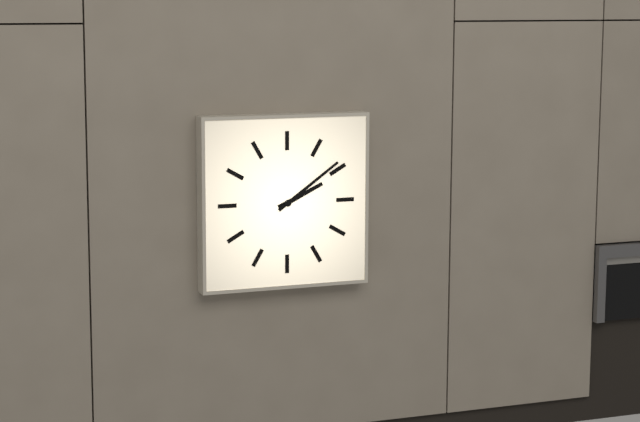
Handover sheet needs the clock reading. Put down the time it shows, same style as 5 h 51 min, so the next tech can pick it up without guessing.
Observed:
2 h 09 min
